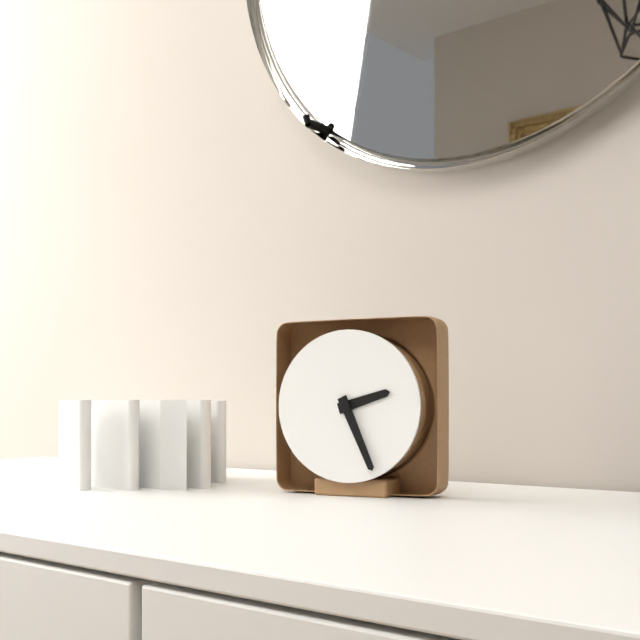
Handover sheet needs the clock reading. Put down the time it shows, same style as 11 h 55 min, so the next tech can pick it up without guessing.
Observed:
2 h 26 min
